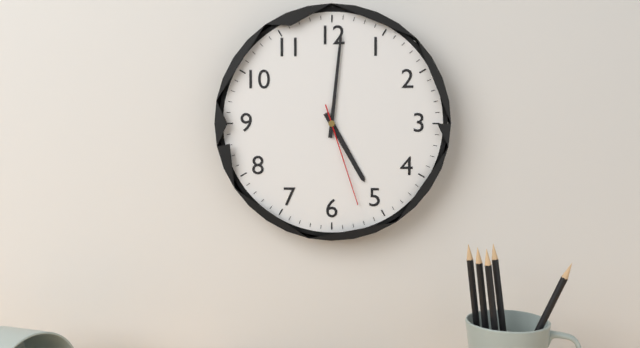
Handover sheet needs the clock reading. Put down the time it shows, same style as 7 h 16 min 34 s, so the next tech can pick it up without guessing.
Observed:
5 h 01 min 27 s
